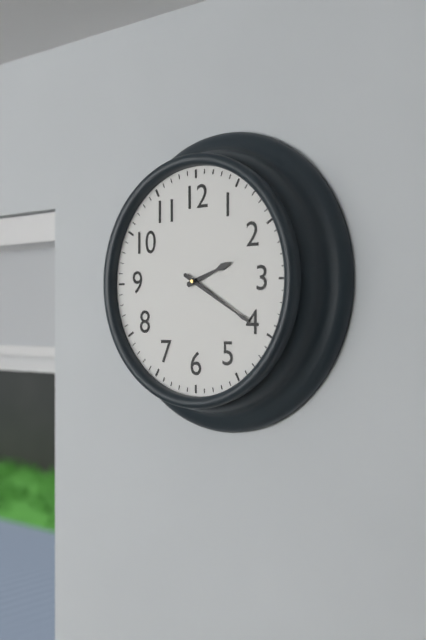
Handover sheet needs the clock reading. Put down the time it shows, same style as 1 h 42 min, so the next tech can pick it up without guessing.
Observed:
2 h 20 min
